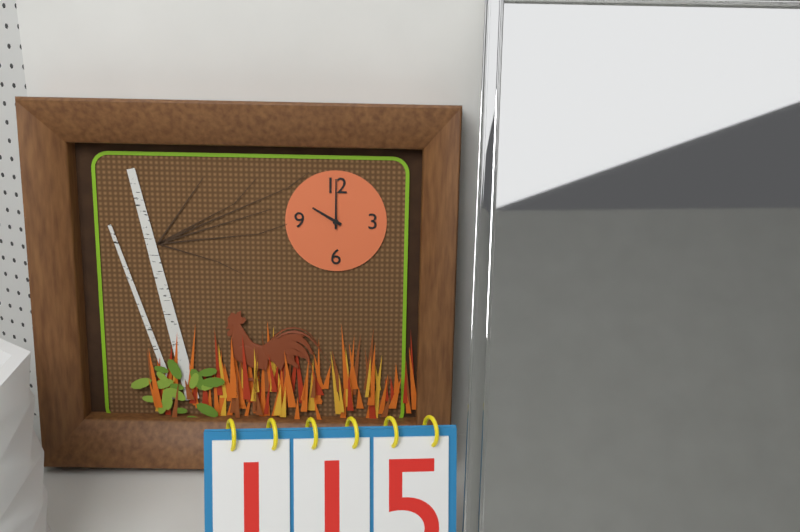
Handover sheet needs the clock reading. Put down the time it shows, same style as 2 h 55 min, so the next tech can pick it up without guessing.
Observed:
10 h 00 min
